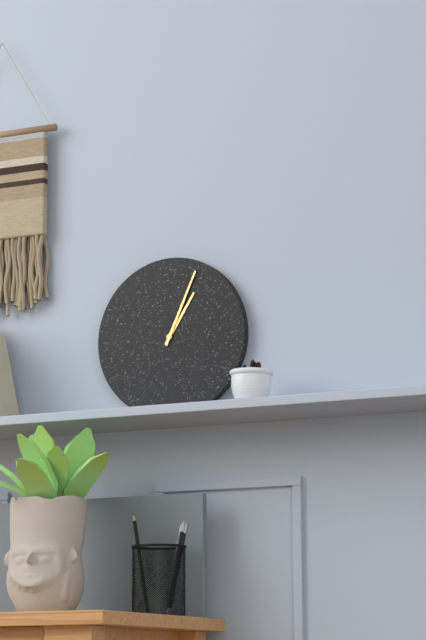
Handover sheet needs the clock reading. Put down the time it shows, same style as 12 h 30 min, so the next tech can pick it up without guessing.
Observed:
1 h 04 min
